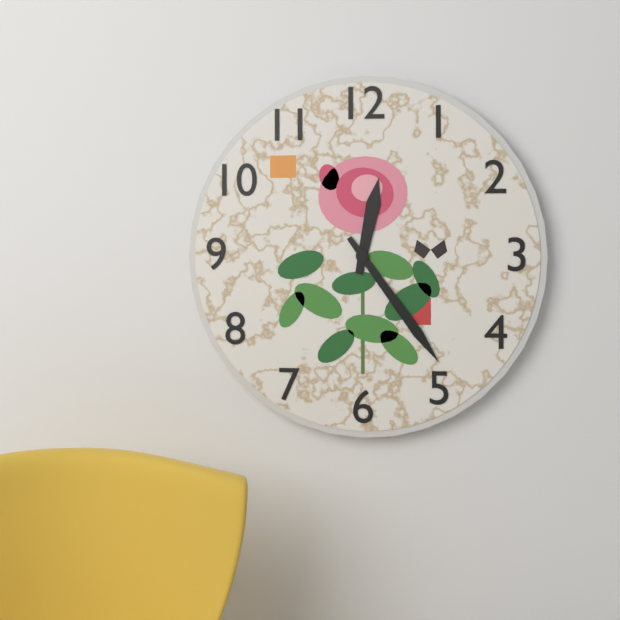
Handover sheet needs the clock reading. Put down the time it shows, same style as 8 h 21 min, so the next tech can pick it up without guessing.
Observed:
12 h 24 min
